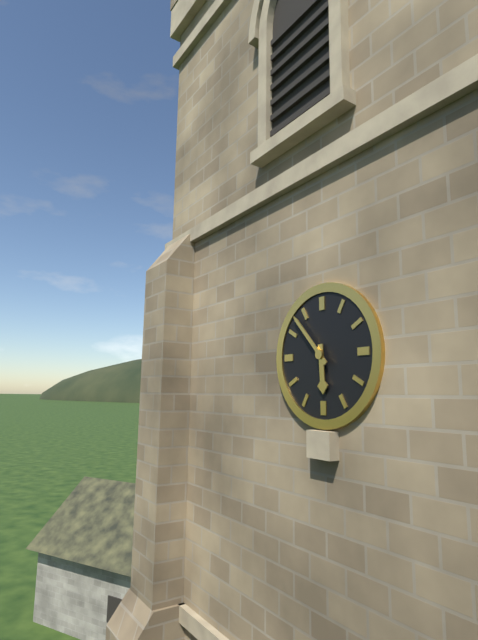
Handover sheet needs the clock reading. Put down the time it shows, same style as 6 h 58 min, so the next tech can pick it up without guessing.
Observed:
5 h 53 min
